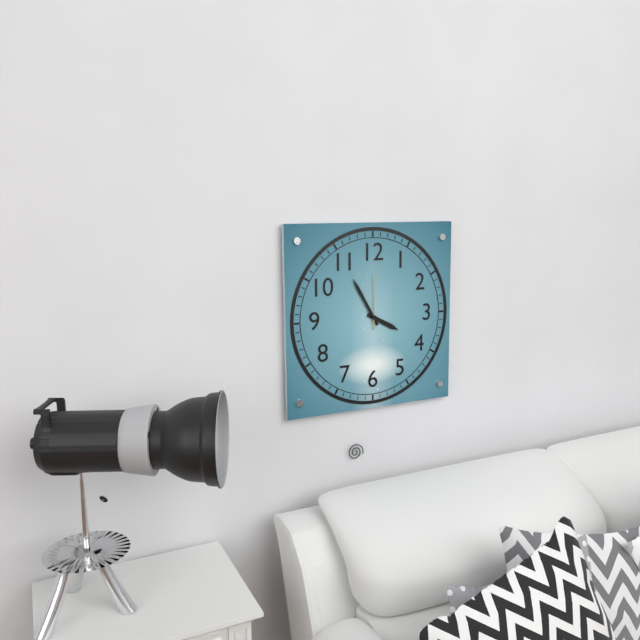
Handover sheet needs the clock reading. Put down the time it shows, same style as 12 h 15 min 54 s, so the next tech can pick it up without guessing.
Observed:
3 h 55 min 00 s
